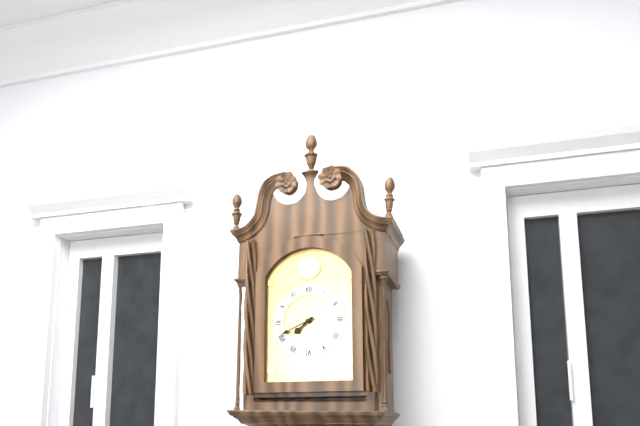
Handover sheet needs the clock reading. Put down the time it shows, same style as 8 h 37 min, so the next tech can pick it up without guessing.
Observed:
7 h 41 min
